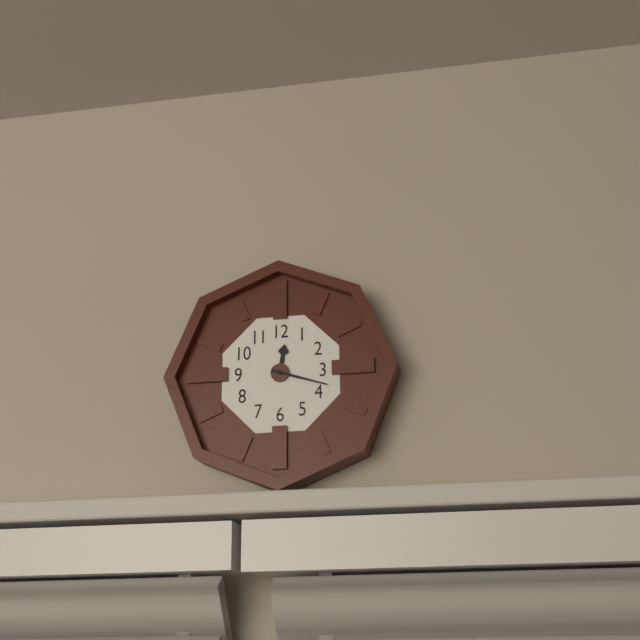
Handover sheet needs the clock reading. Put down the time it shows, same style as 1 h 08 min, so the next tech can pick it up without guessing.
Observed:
12 h 18 min
